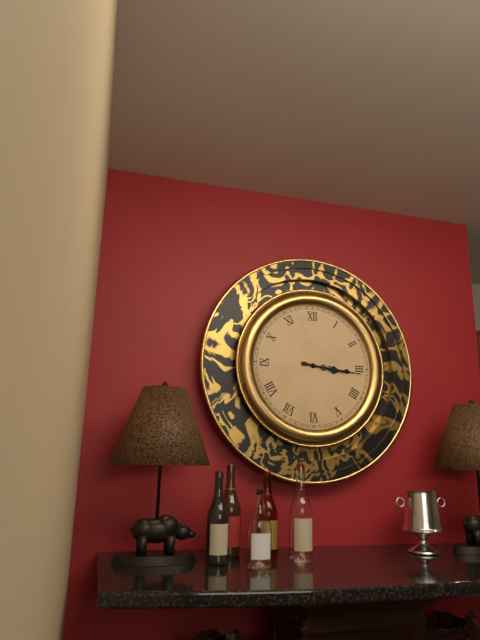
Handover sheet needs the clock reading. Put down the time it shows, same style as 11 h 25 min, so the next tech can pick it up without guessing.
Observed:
3 h 16 min
